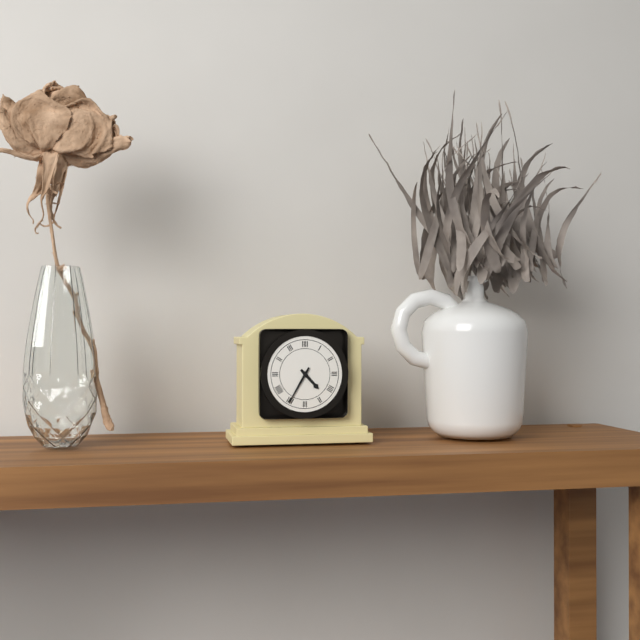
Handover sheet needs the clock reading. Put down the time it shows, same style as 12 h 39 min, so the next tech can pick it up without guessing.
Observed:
4 h 35 min
